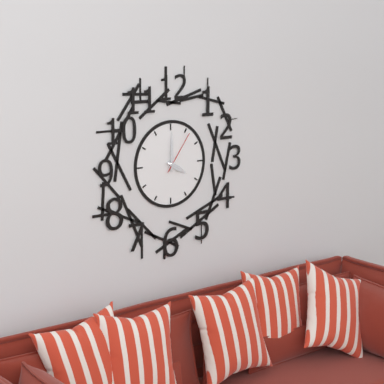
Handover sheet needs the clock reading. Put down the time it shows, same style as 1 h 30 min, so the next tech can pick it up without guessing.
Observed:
4 h 00 min
